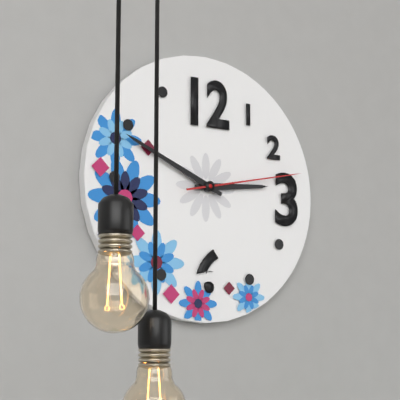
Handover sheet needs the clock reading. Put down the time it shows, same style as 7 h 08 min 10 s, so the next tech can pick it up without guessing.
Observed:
2 h 49 min 13 s
